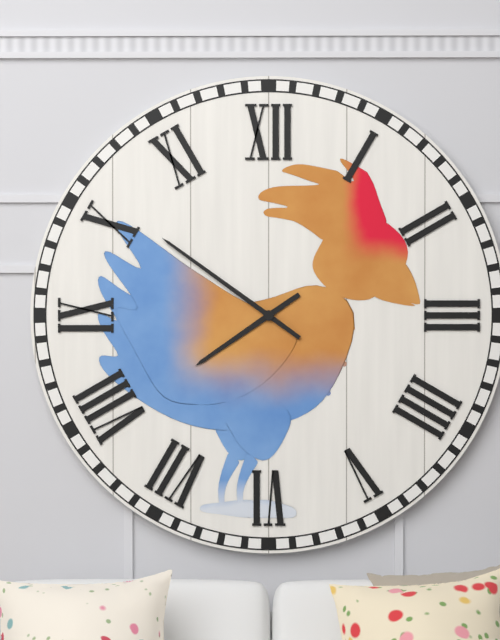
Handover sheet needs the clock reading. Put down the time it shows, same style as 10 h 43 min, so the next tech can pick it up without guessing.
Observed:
7 h 51 min
